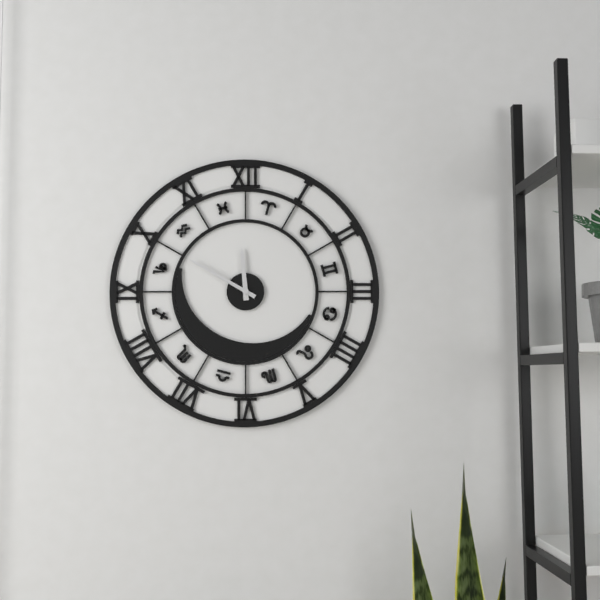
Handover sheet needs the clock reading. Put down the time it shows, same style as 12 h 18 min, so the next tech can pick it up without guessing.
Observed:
11 h 50 min
